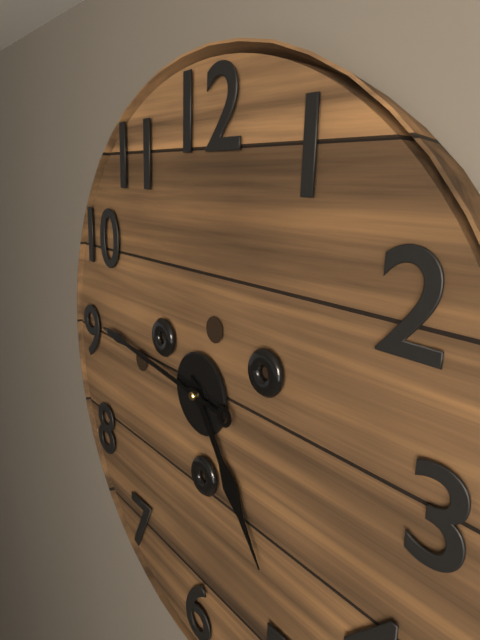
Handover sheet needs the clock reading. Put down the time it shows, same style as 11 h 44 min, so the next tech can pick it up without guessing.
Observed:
4 h 46 min
